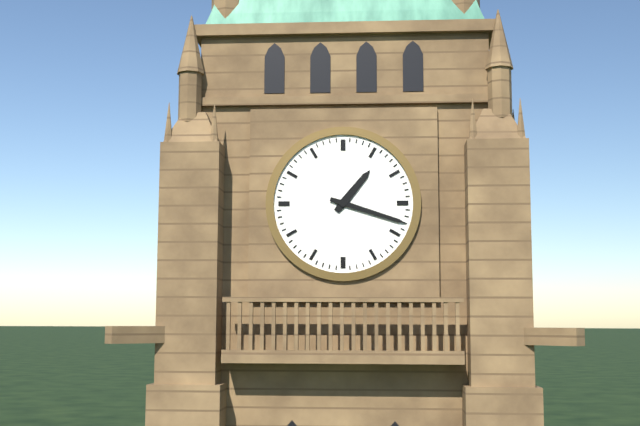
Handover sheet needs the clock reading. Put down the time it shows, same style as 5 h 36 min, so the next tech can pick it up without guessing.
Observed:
1 h 18 min
